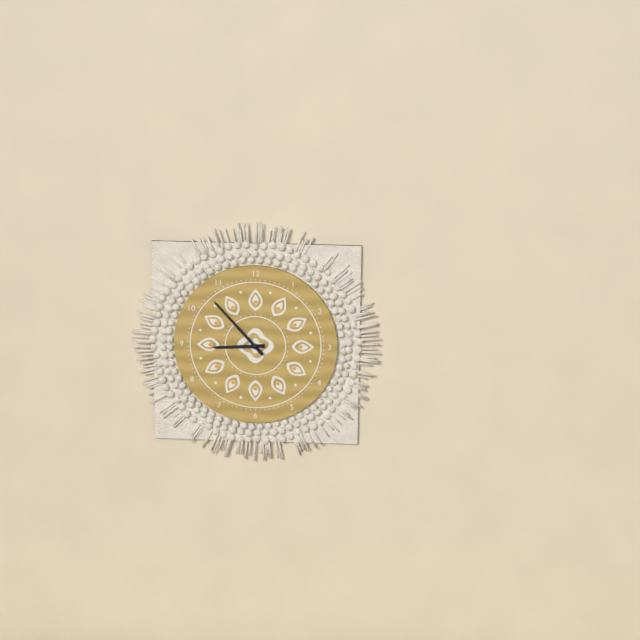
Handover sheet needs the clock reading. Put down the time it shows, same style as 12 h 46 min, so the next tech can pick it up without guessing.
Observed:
8 h 53 min
